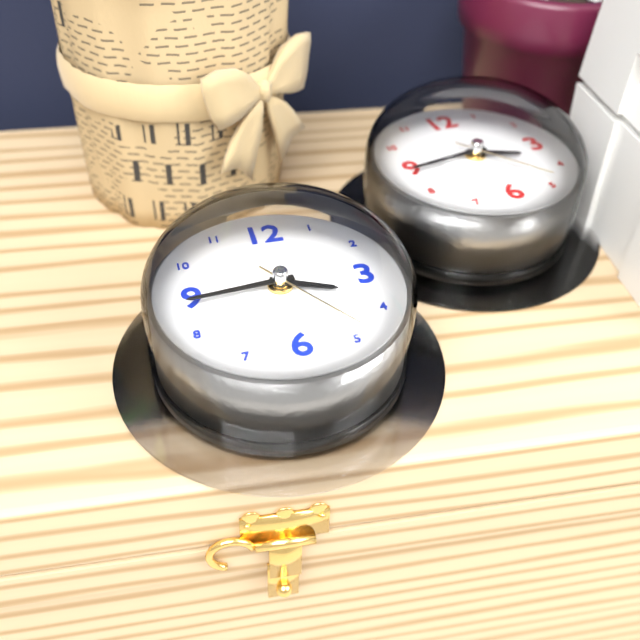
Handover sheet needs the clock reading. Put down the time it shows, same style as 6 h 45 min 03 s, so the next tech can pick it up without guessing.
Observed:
3 h 44 min 24 s
